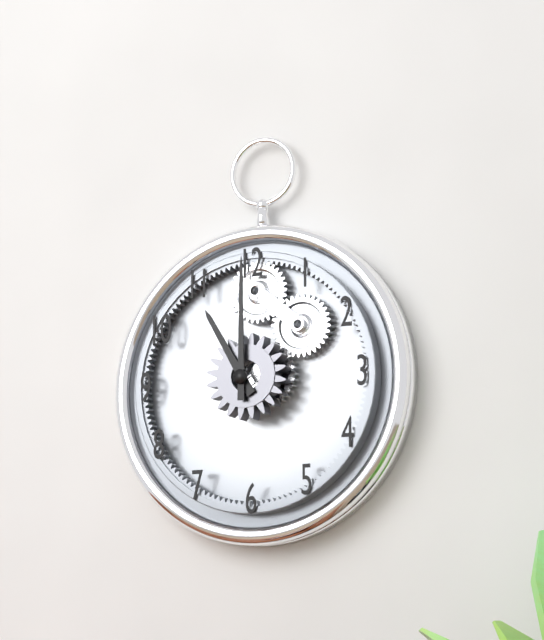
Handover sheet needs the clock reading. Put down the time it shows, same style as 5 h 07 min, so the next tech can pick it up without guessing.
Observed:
11 h 00 min
